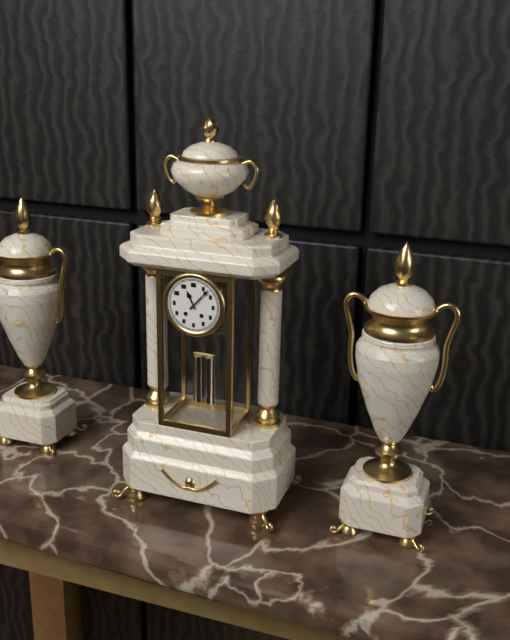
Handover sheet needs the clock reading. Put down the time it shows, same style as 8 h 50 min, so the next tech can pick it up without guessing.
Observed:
11 h 07 min
